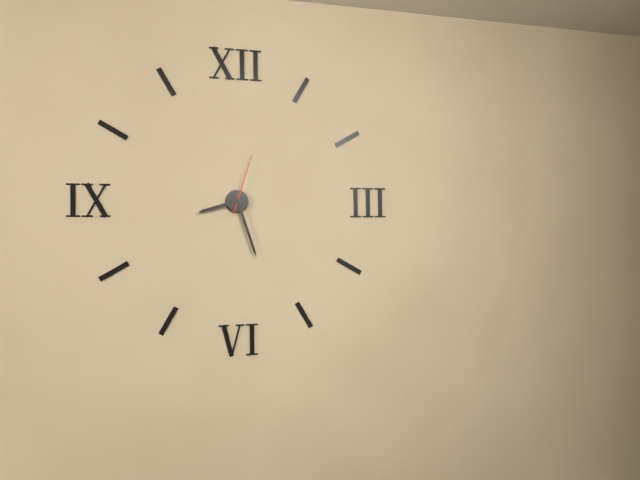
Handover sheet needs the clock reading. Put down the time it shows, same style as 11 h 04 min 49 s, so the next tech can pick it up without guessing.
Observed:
8 h 27 min 03 s
